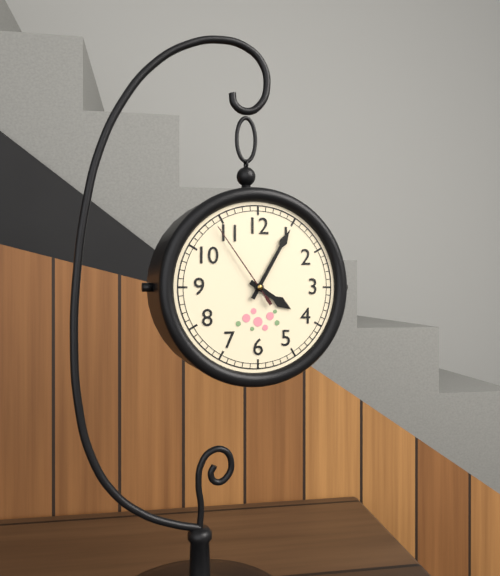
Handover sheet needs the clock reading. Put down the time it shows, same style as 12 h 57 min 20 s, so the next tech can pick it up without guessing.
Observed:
4 h 05 min 54 s
